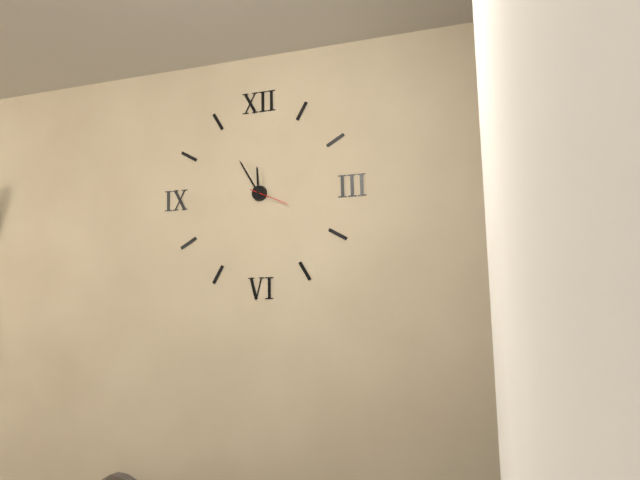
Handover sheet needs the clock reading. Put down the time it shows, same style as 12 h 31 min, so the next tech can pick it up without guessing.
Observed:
11 h 55 min
